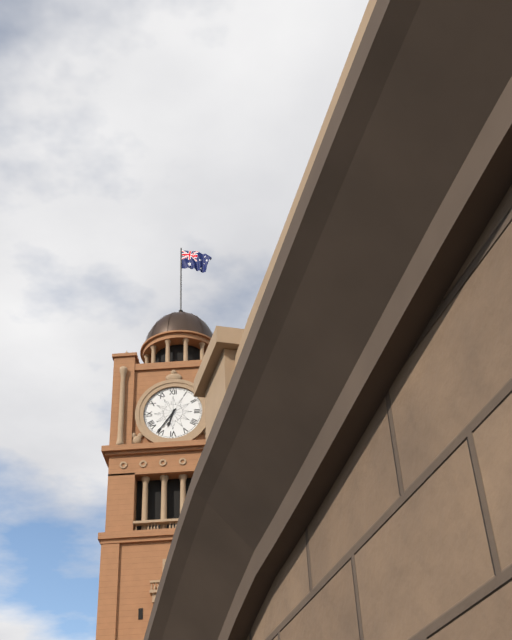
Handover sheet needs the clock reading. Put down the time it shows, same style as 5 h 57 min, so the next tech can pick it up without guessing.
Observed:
6 h 36 min
